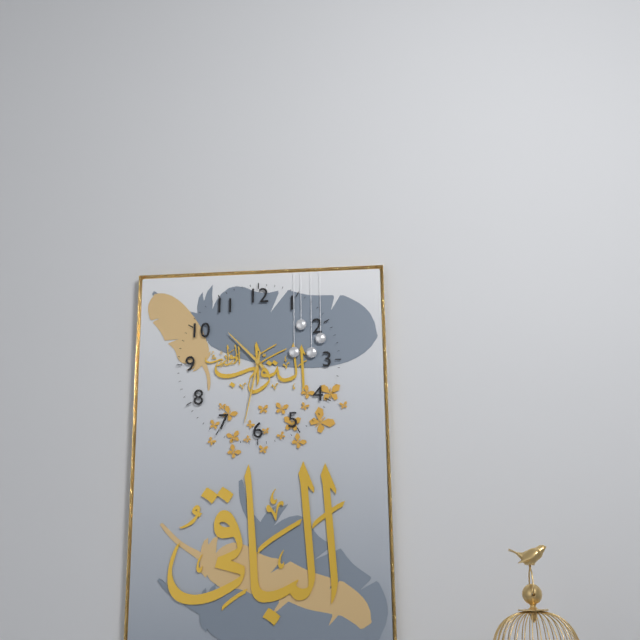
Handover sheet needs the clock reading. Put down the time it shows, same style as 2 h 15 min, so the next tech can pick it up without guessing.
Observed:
10 h 32 min
